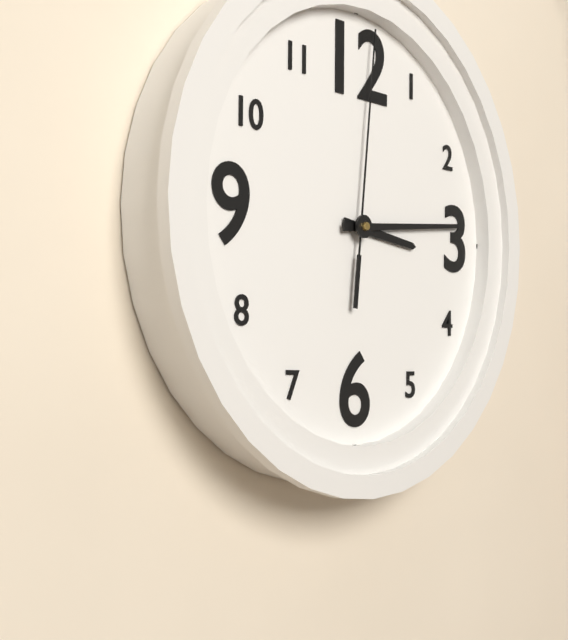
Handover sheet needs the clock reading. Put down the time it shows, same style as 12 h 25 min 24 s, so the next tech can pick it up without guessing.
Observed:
3 h 14 min 01 s
